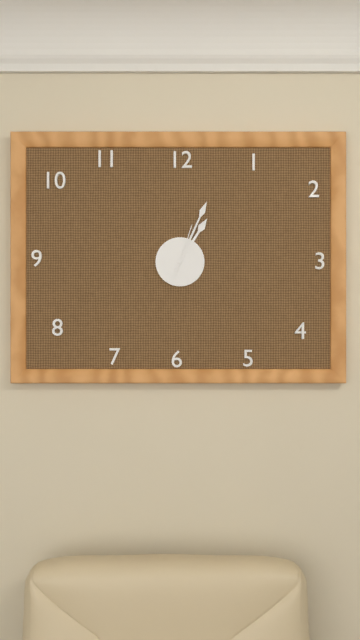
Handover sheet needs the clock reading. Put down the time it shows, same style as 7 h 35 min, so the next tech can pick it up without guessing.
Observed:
1 h 04 min
